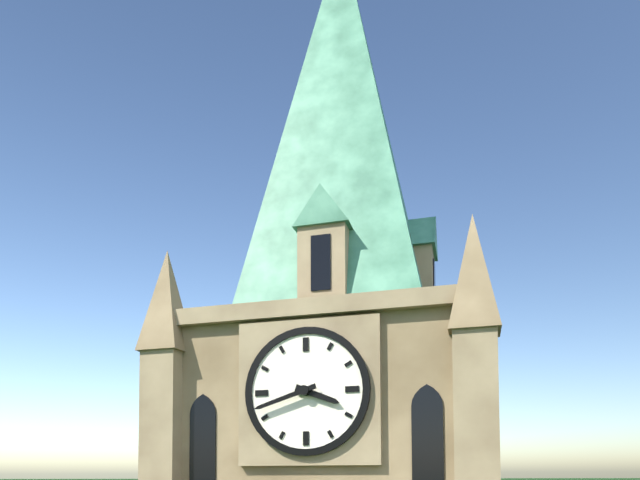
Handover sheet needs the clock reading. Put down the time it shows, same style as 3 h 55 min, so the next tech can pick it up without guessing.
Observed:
3 h 42 min
